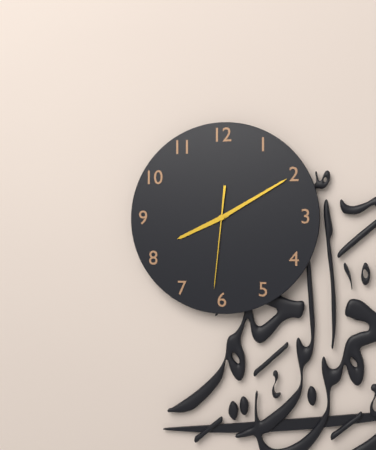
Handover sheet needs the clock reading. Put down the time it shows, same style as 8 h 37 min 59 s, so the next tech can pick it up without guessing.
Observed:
8 h 10 min 31 s
